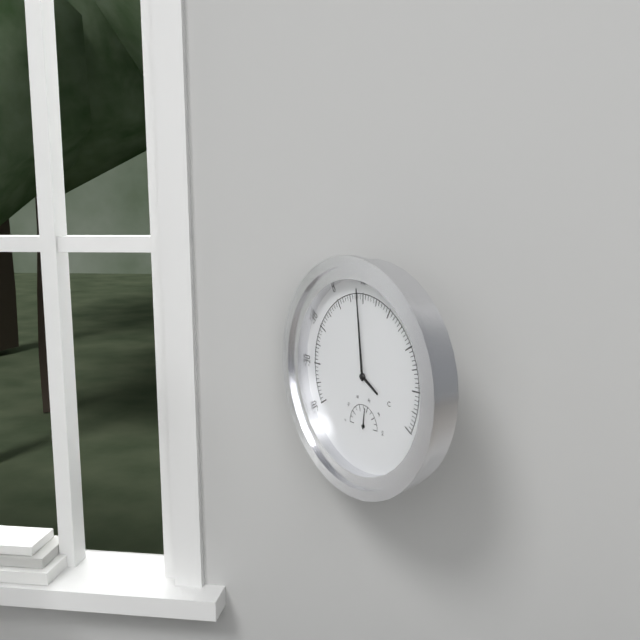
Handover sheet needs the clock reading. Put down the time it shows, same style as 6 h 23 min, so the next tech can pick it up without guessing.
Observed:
3 h 59 min
